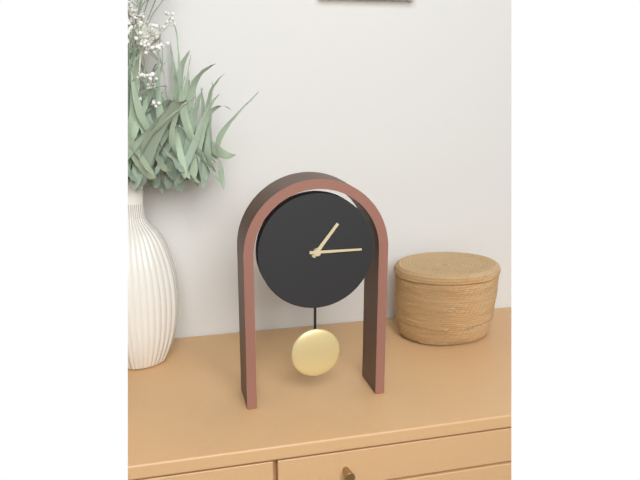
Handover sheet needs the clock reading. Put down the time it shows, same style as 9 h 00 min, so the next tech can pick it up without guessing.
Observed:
1 h 15 min
